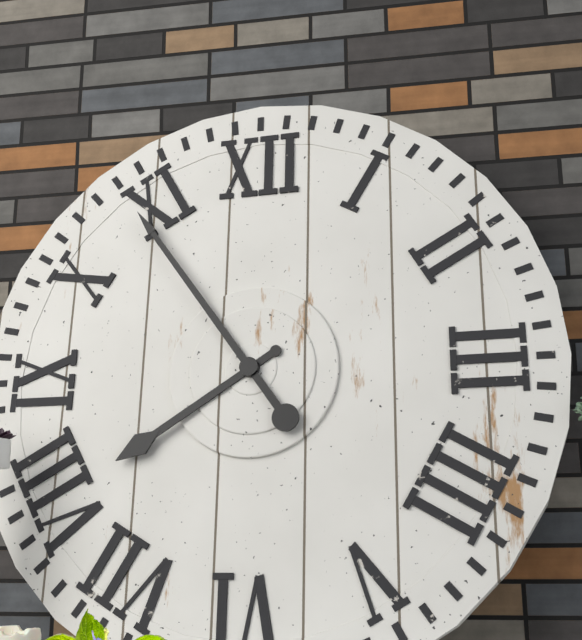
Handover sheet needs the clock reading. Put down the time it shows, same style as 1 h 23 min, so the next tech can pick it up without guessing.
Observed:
7 h 54 min
